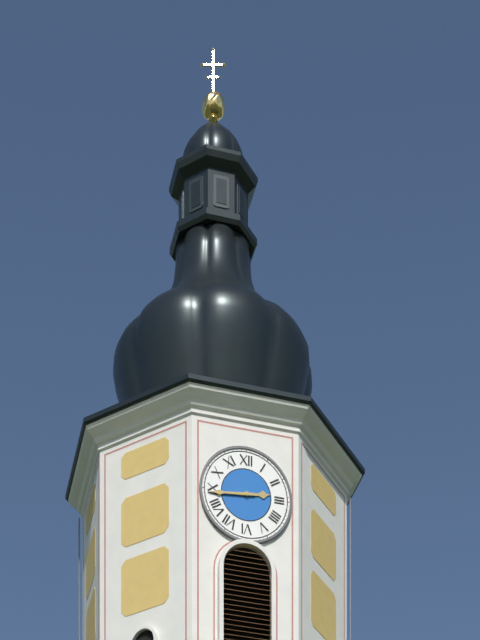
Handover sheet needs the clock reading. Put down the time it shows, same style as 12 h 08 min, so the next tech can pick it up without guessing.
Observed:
2 h 44 min
